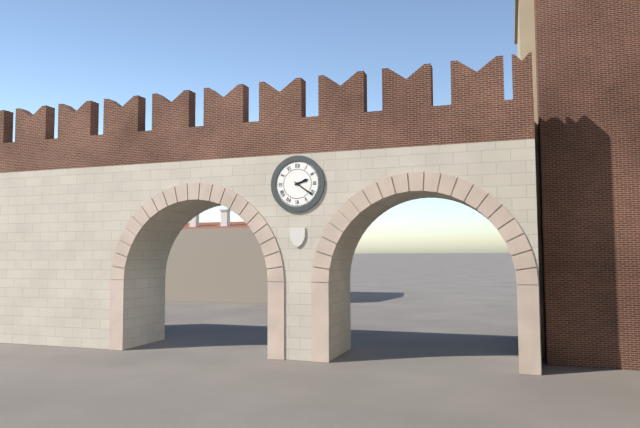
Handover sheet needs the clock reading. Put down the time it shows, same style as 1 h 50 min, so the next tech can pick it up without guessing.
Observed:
2 h 21 min
